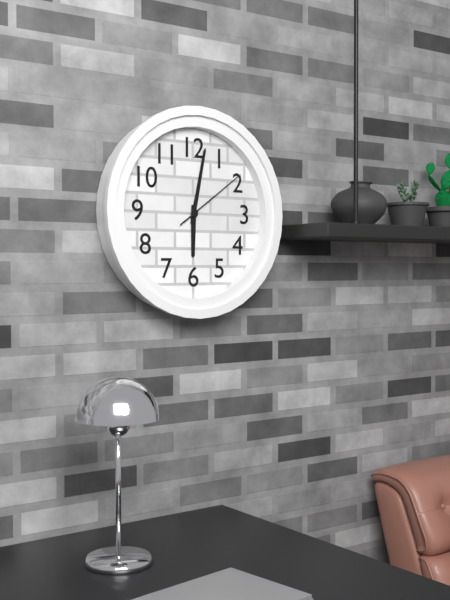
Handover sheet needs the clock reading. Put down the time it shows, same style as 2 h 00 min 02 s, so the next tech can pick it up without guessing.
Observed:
6 h 02 min 09 s
